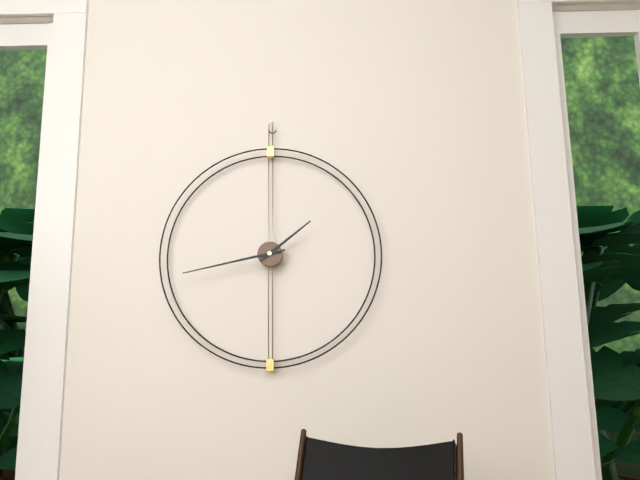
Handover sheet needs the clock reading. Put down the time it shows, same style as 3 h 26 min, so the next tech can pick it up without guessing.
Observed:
1 h 43 min
